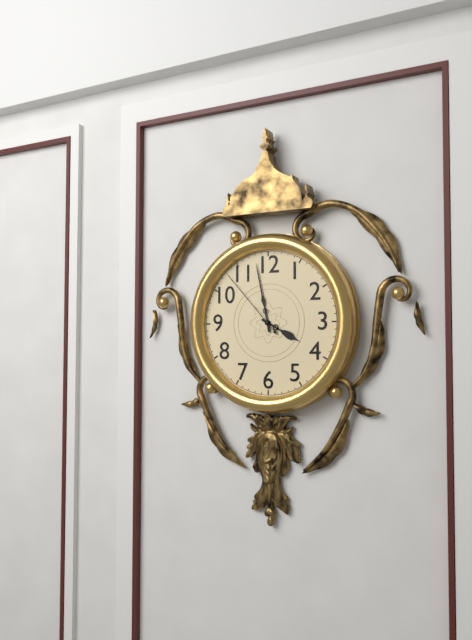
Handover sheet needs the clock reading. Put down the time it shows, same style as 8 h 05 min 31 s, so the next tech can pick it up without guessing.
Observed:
3 h 58 min 53 s
